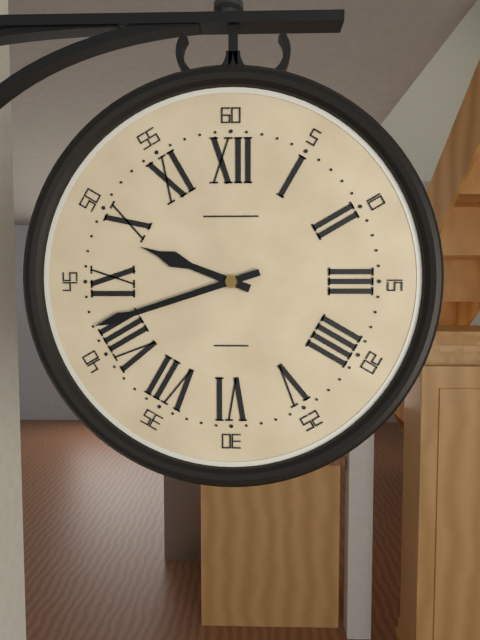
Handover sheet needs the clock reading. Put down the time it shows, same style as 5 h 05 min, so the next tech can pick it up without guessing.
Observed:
9 h 42 min
